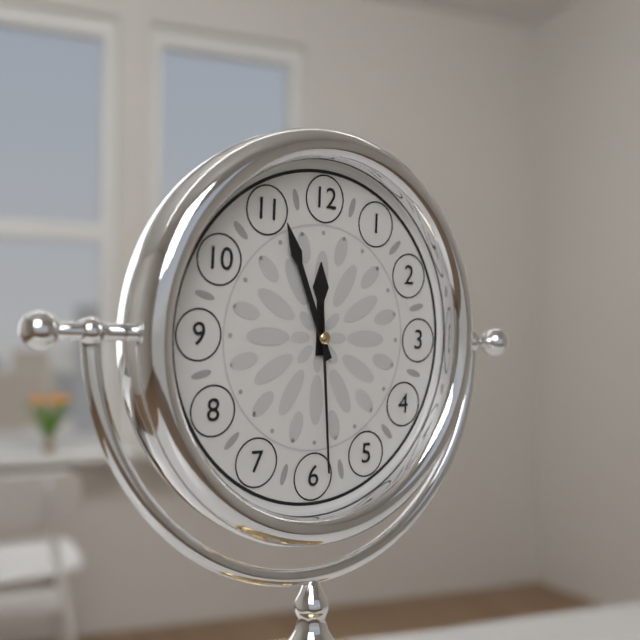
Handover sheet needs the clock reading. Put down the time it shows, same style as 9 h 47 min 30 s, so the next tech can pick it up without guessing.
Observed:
11 h 56 min 29 s
